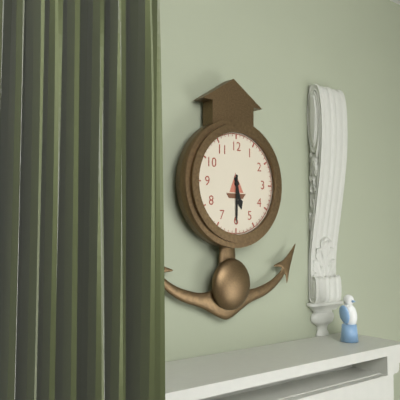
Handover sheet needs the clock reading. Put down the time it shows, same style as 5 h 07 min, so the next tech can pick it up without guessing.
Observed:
5 h 30 min
